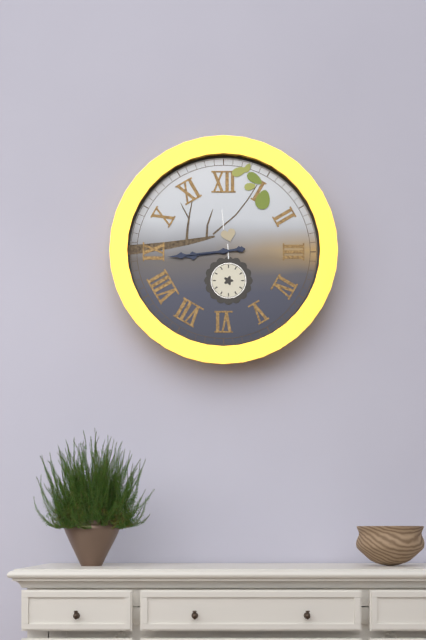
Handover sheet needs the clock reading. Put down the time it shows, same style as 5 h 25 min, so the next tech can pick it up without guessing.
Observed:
8 h 44 min
